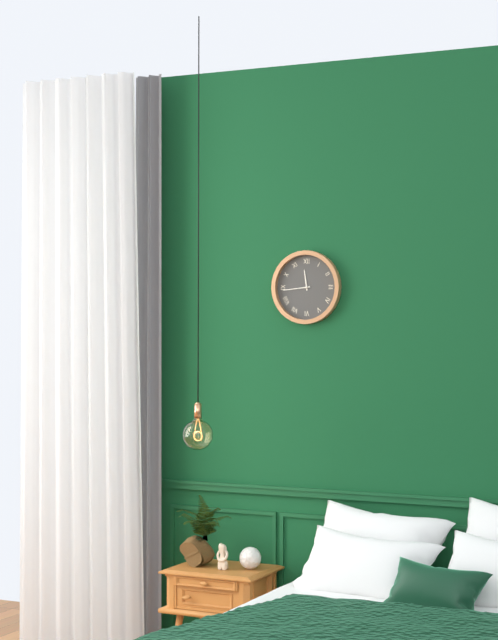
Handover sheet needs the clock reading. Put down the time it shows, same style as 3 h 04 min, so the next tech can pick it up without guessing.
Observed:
11 h 44 min
